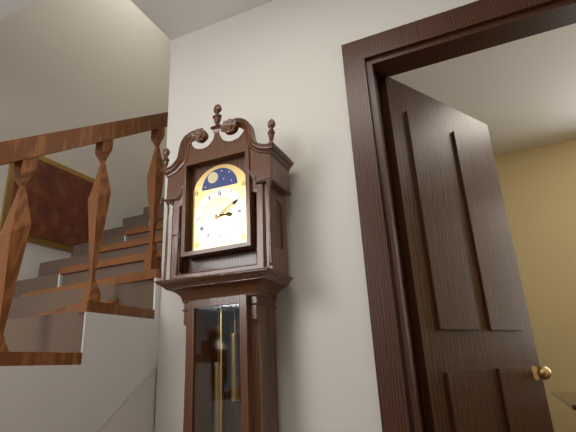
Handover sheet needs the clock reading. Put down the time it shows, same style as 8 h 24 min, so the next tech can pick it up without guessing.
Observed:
3 h 10 min
